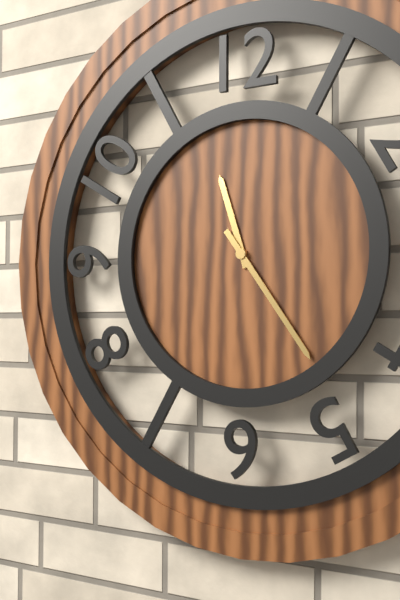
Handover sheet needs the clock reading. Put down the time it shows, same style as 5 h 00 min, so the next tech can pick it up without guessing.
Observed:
11 h 24 min
